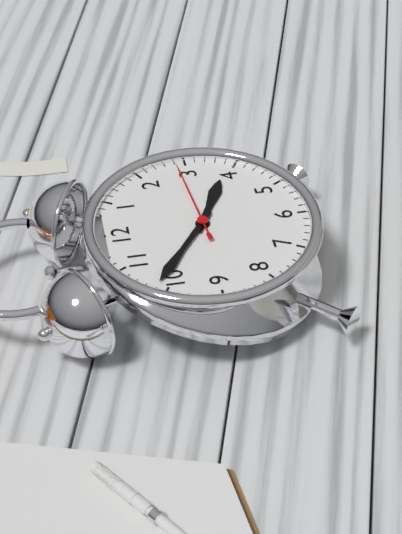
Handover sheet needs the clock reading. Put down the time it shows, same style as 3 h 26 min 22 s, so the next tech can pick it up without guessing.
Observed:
3 h 51 min 14 s
